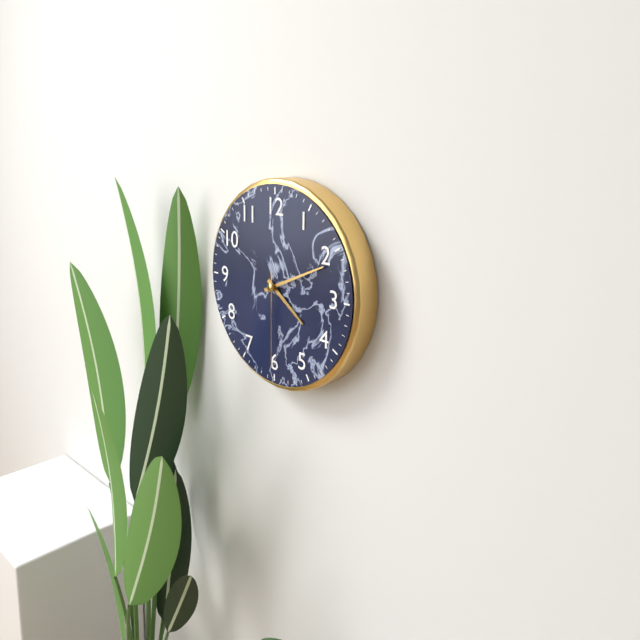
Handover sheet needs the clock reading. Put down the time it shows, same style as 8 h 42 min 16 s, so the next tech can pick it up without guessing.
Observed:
4 h 11 min 30 s
